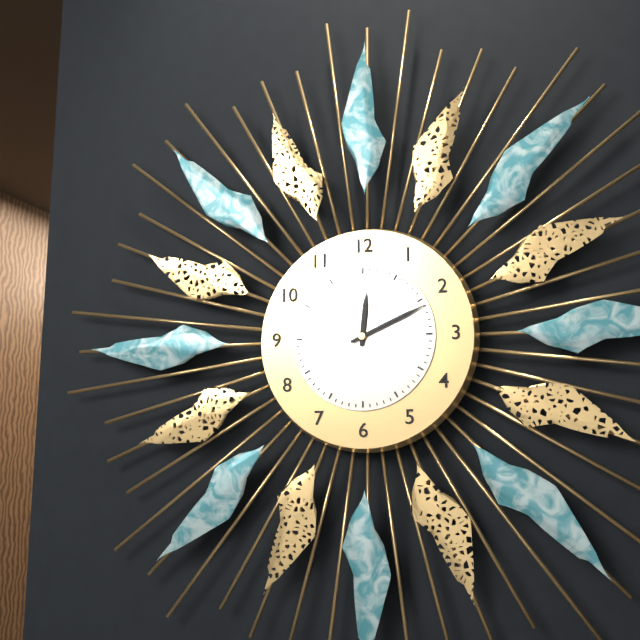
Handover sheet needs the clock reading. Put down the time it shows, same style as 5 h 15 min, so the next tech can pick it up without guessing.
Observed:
12 h 11 min
